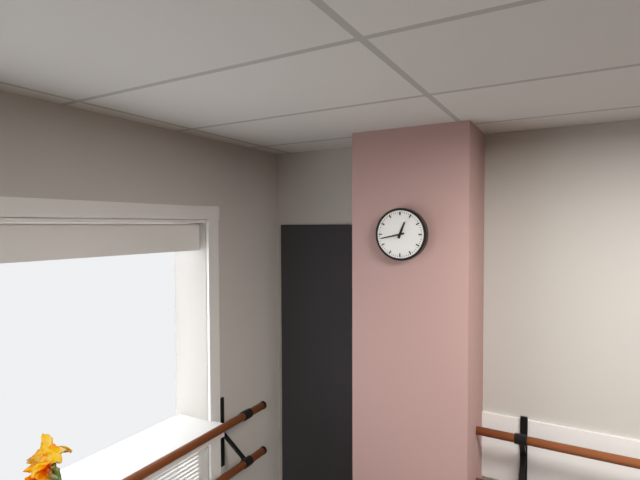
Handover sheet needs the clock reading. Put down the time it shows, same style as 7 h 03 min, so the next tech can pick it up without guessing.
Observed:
12 h 43 min
